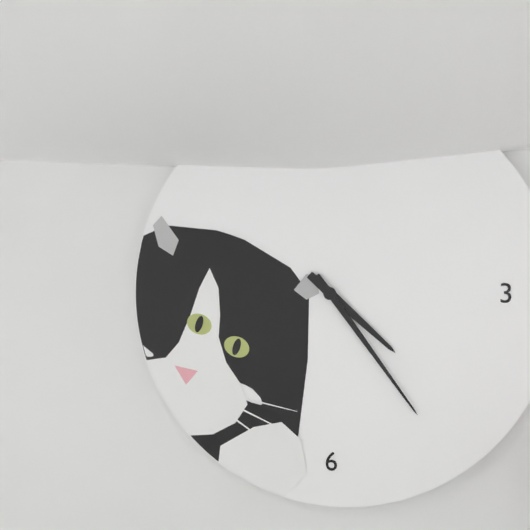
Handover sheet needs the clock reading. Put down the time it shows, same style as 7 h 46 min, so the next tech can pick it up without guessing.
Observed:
4 h 24 min
